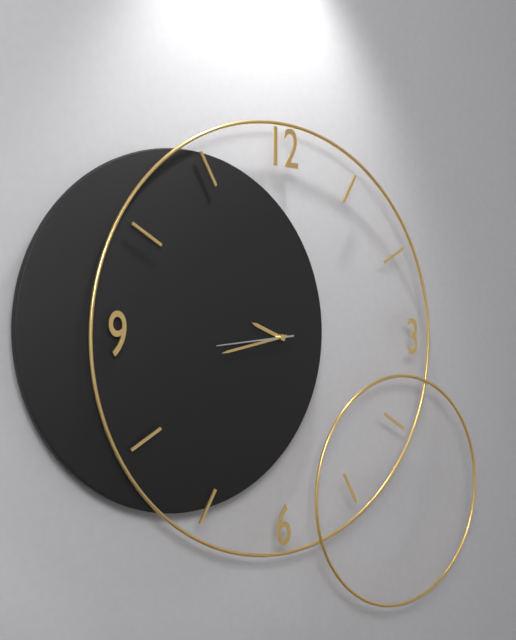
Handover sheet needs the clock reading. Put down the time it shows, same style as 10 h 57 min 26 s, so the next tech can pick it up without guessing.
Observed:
9 h 43 min 44 s
